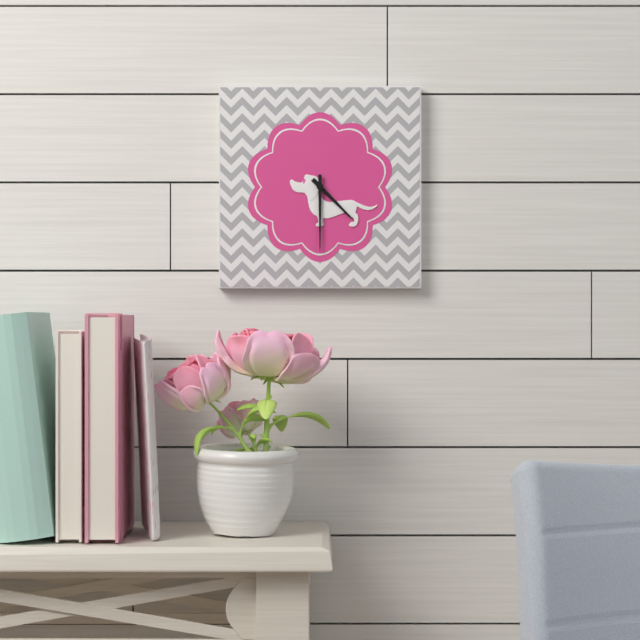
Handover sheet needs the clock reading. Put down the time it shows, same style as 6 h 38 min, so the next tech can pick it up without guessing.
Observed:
4 h 30 min
